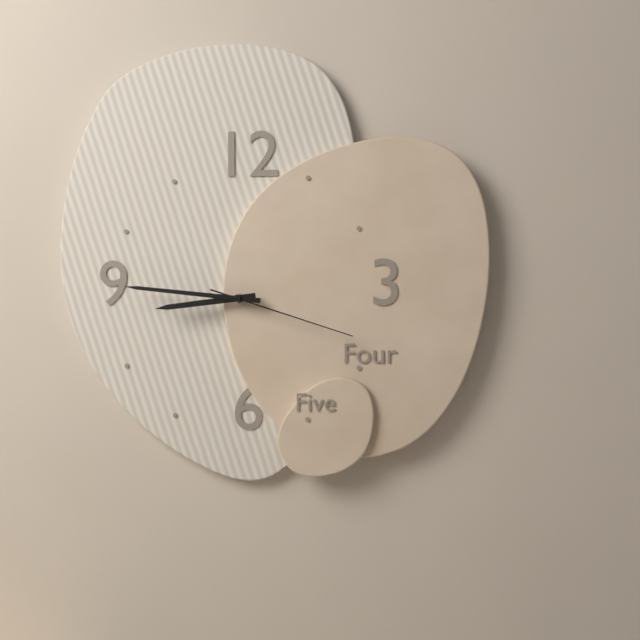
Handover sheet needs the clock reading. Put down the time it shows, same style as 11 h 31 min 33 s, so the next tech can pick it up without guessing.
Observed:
8 h 46 min 18 s
